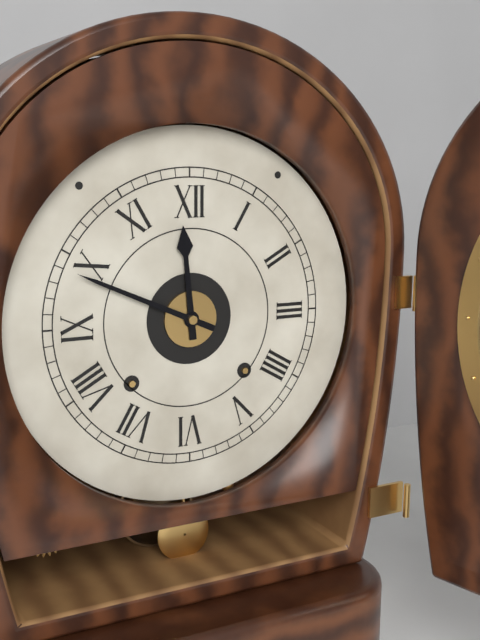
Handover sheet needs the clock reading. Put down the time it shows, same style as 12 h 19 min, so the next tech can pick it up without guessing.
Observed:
11 h 49 min
